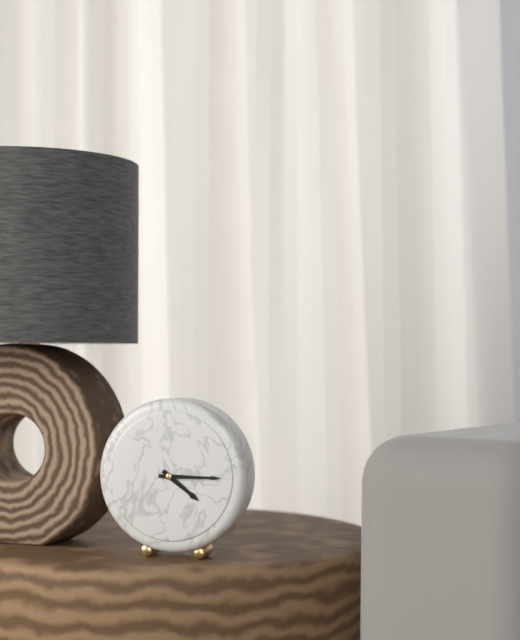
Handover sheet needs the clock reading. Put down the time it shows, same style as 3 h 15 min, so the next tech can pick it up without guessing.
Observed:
4 h 15 min
